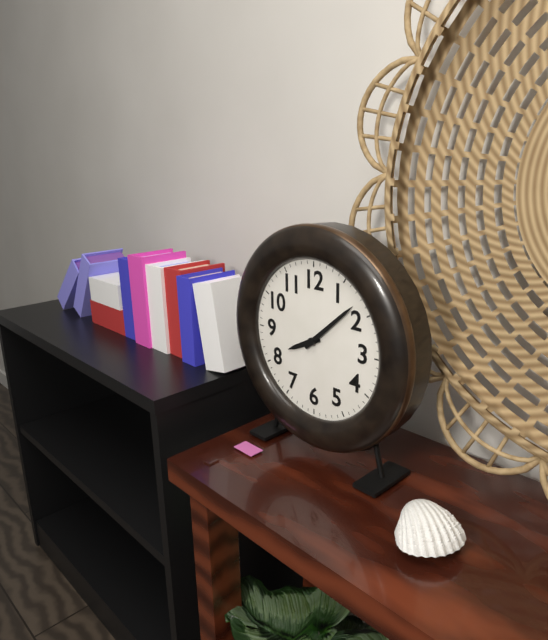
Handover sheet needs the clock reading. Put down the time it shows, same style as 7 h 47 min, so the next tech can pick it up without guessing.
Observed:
8 h 08 min
